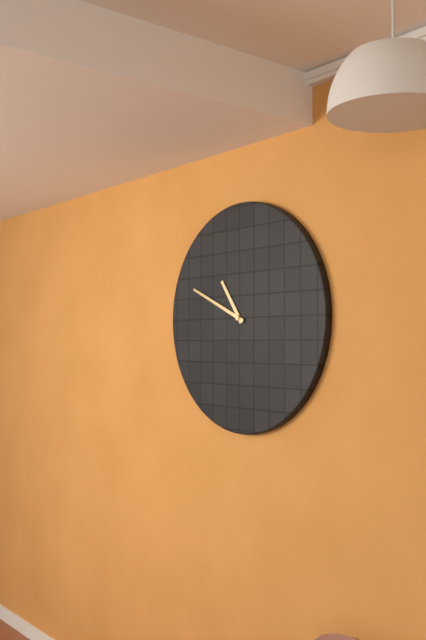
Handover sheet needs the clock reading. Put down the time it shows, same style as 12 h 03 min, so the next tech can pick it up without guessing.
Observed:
10 h 49 min
